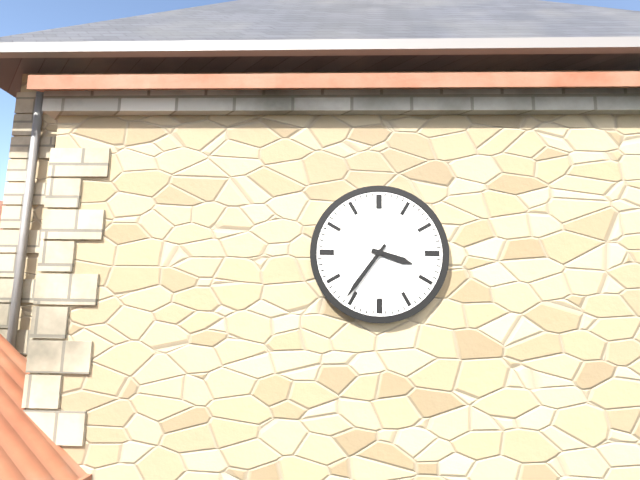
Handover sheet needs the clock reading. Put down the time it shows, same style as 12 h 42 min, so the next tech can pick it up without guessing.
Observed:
3 h 36 min
